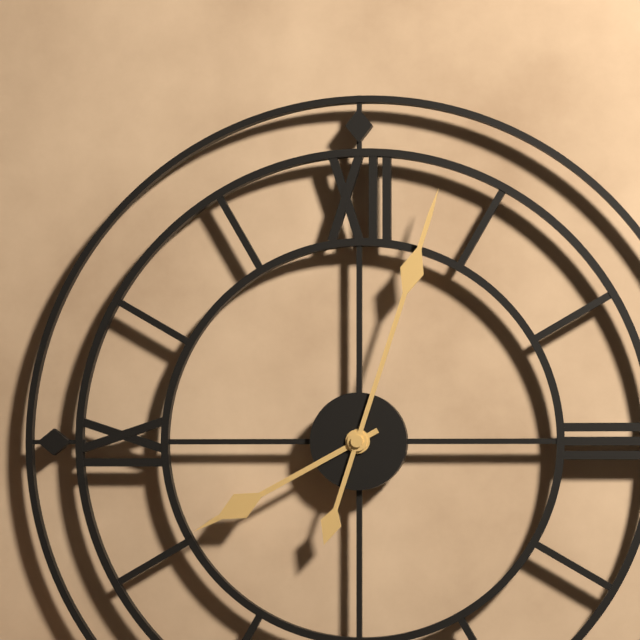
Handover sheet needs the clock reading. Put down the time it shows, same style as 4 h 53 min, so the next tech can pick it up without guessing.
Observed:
8 h 03 min
